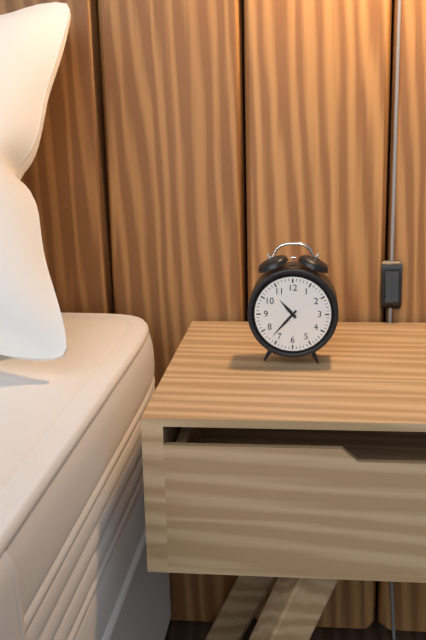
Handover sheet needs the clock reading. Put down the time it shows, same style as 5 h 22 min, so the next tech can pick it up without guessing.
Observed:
10 h 37 min
